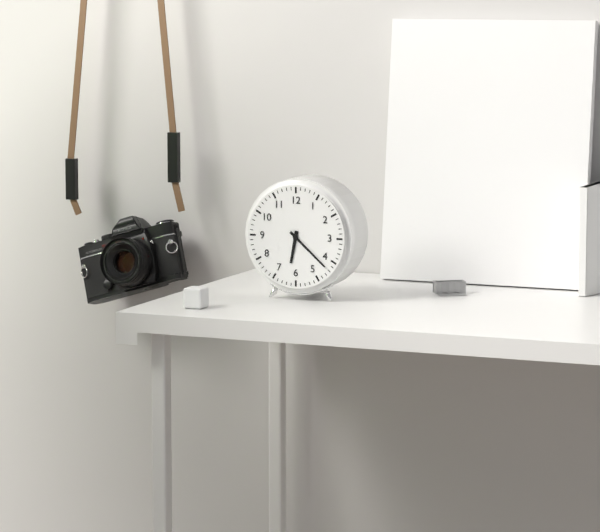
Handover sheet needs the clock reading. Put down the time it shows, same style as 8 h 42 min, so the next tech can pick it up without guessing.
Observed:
6 h 22 min
